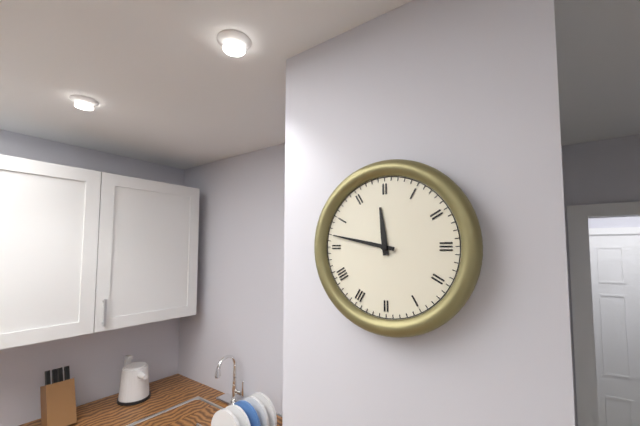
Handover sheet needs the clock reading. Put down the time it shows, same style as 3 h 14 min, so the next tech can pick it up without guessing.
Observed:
11 h 47 min
